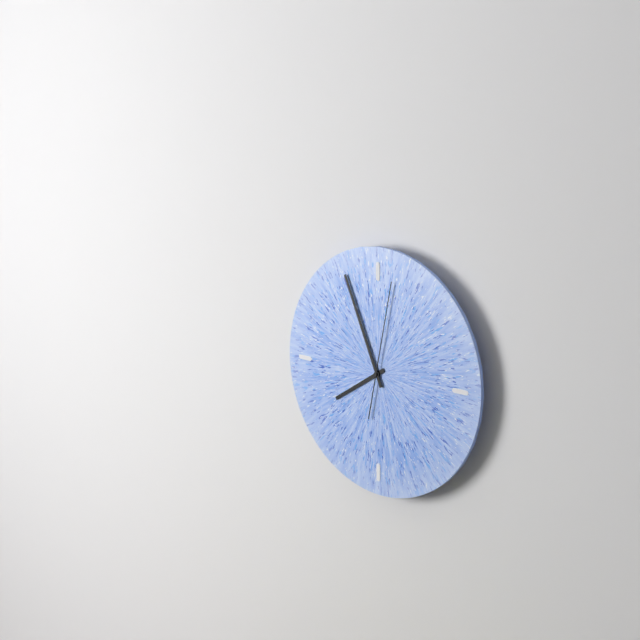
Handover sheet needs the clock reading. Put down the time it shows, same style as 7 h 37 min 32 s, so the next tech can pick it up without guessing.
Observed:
7 h 56 min 02 s
